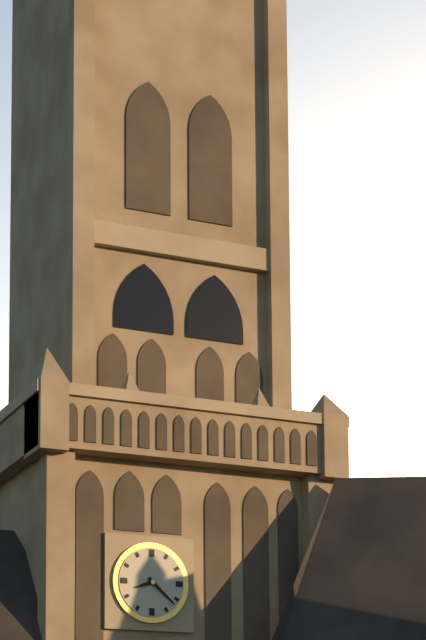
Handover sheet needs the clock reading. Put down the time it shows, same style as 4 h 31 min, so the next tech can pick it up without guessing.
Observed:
8 h 22 min
